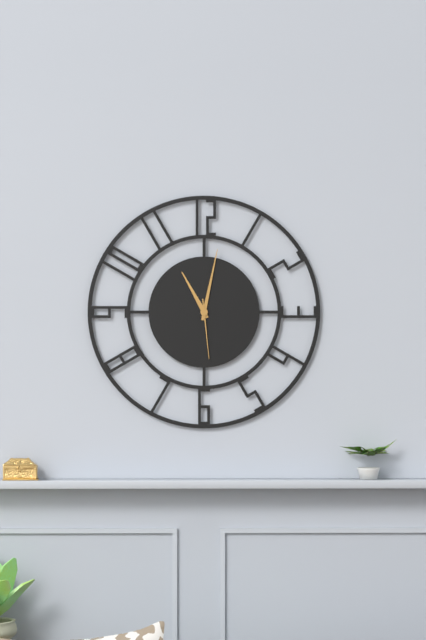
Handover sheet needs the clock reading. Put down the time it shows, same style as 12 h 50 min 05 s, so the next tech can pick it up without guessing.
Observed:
11 h 02 min 29 s
